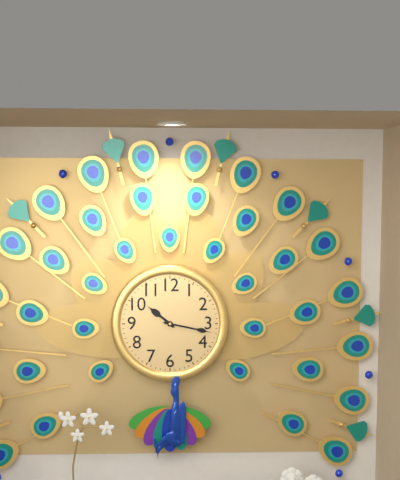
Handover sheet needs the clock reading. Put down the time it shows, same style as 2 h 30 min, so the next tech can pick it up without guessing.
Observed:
10 h 17 min
